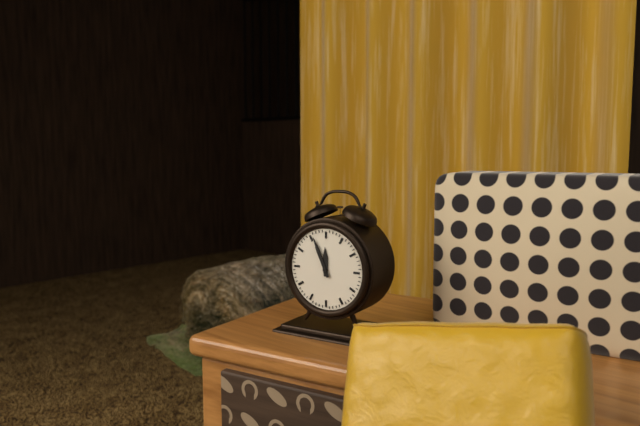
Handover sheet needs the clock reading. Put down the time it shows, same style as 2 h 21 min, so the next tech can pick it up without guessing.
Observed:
11 h 56 min
